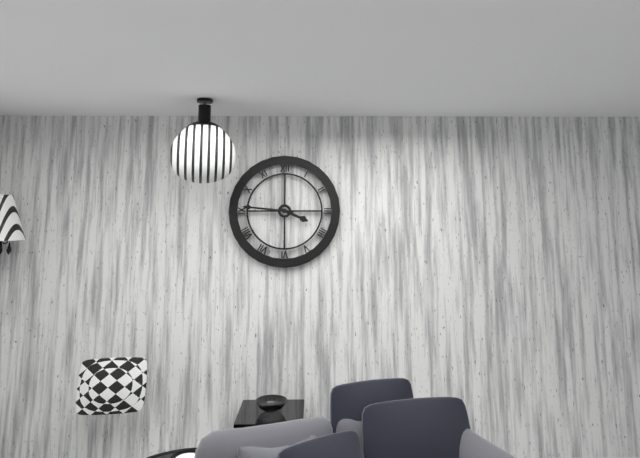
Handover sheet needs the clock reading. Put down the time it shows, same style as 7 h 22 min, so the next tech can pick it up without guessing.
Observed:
3 h 46 min
